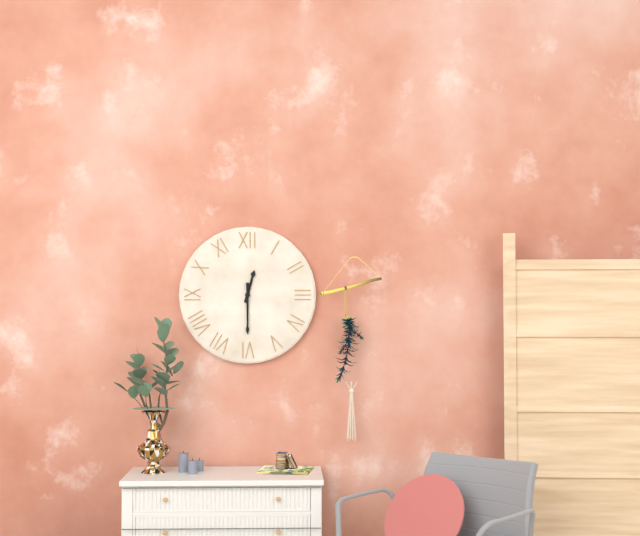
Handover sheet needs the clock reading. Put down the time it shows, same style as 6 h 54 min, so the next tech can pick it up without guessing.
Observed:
12 h 30 min
